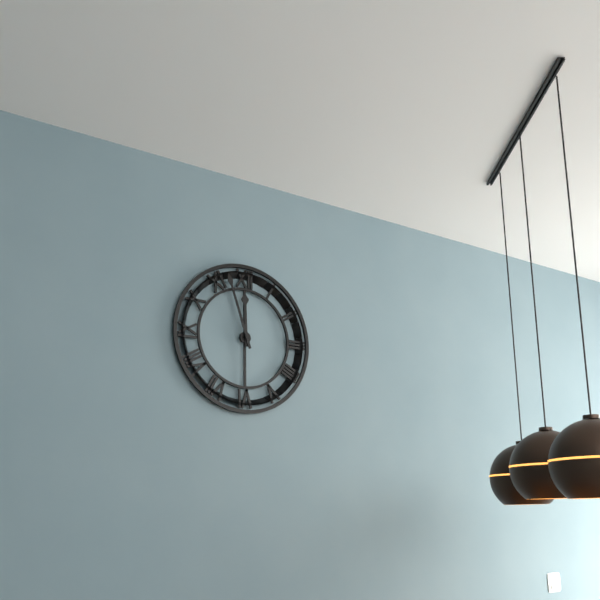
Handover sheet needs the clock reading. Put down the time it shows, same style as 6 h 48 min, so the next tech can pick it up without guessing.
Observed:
11 h 57 min
